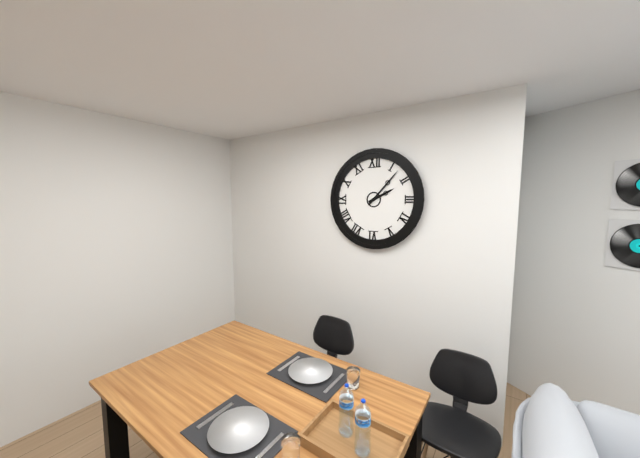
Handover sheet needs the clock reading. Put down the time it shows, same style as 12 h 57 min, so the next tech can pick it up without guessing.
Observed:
2 h 07 min
